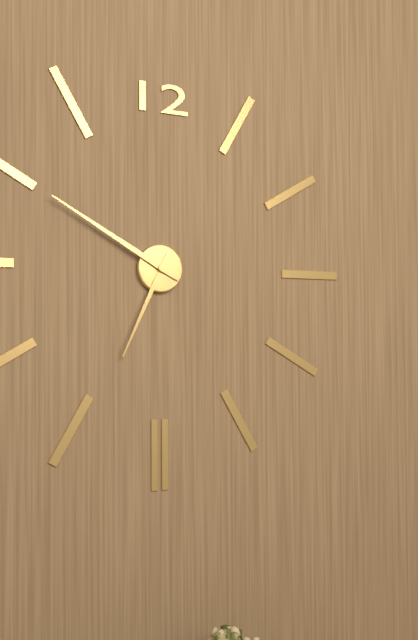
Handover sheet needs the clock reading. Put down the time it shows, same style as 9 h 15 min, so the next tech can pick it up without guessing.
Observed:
6 h 50 min
